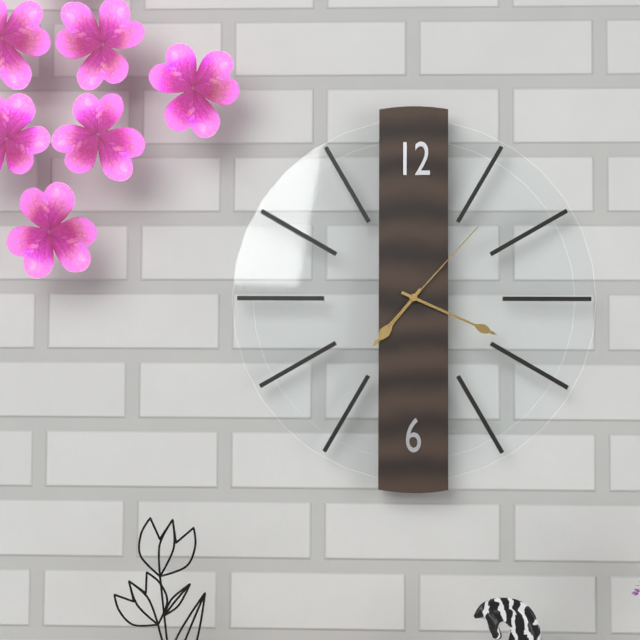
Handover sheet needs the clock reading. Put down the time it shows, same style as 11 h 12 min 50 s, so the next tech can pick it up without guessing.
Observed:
7 h 19 min 07 s
